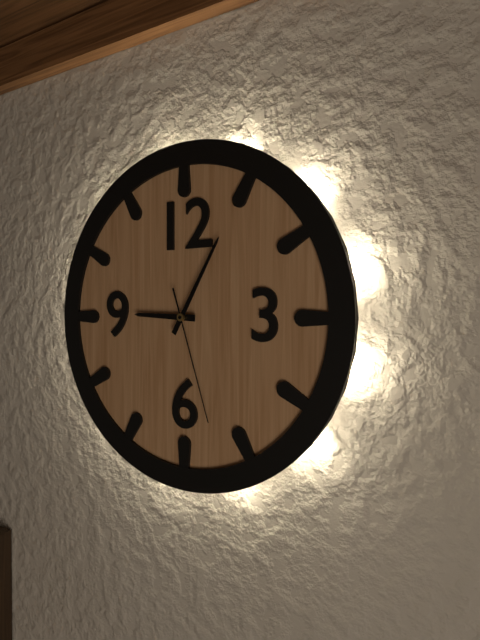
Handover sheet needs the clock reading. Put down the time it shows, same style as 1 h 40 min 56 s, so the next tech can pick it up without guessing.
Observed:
9 h 05 min 27 s
